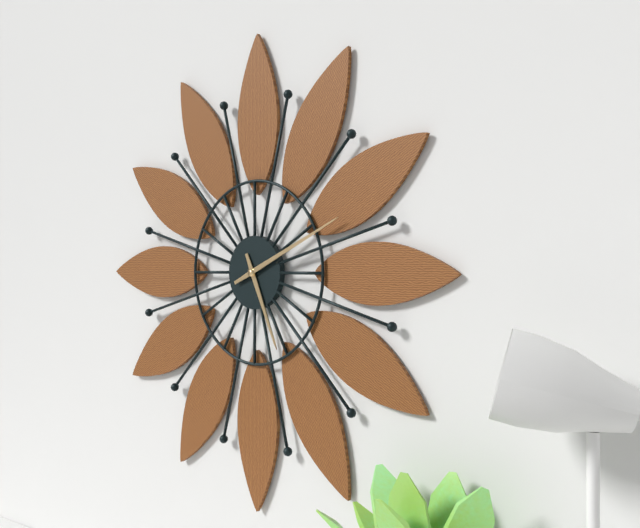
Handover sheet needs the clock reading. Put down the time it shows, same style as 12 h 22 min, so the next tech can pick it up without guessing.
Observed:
5 h 11 min
